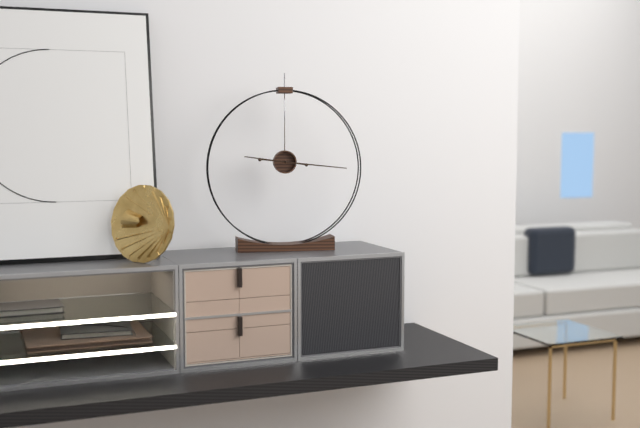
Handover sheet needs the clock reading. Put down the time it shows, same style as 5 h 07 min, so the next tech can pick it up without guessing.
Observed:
9 h 16 min
